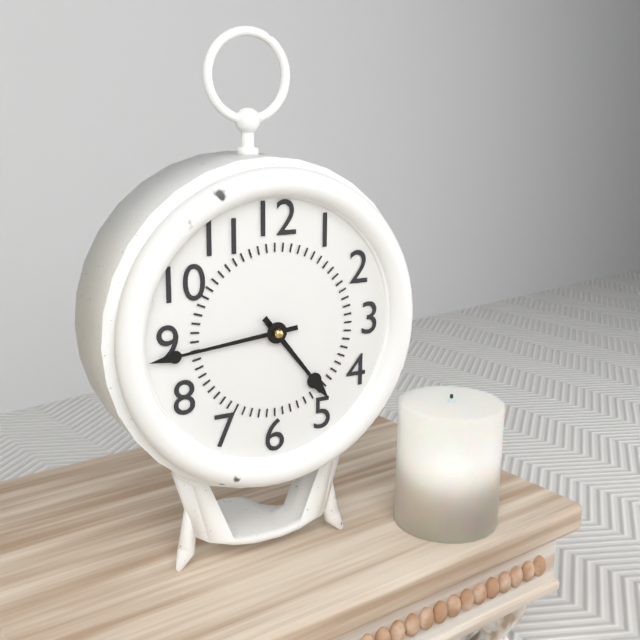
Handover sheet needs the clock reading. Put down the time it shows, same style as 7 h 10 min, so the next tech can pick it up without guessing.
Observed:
4 h 44 min
